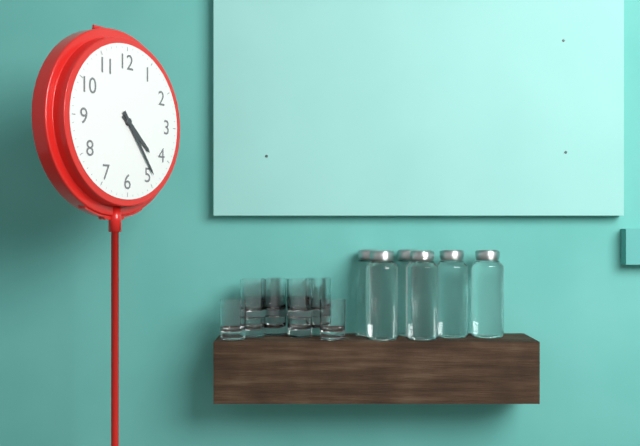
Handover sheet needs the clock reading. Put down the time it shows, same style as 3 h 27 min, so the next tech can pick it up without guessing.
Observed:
4 h 24 min
